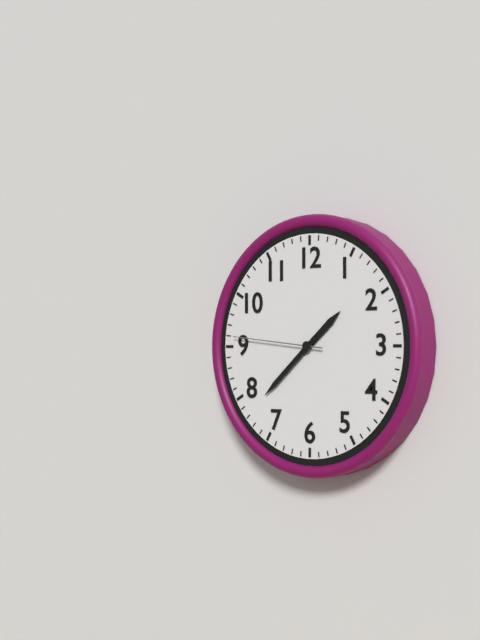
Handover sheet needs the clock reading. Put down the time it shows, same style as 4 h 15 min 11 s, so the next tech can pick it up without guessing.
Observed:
1 h 38 min 46 s
